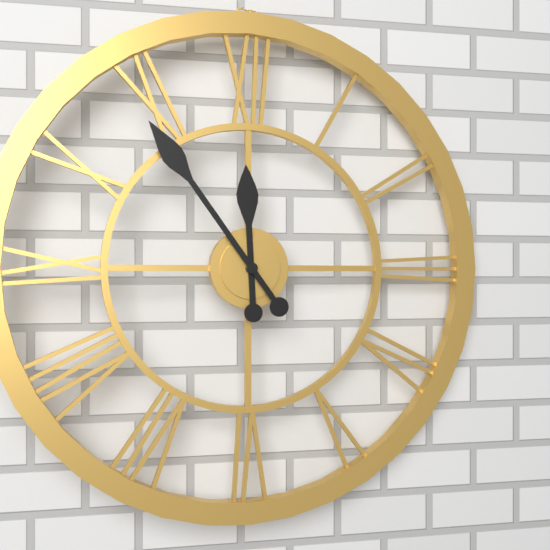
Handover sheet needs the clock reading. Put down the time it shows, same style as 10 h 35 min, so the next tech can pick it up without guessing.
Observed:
11 h 54 min
